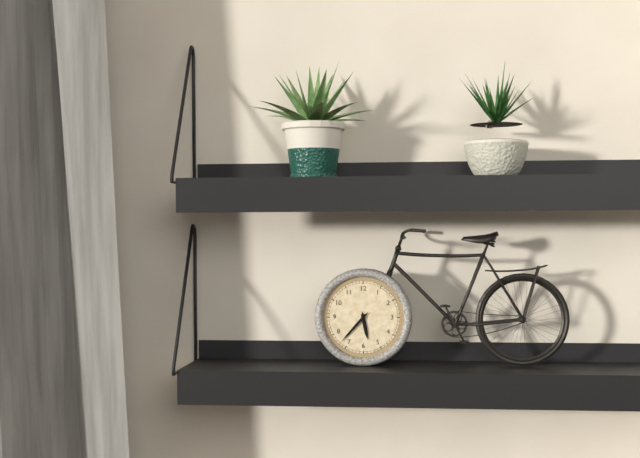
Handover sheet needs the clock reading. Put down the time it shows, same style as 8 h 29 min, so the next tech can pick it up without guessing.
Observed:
5 h 37 min
